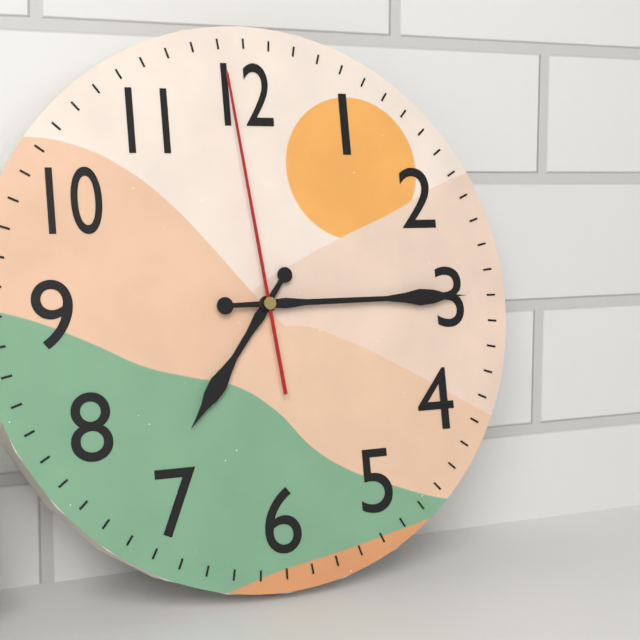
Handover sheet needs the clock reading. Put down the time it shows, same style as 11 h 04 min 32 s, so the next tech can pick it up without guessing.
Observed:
7 h 15 min 59 s
